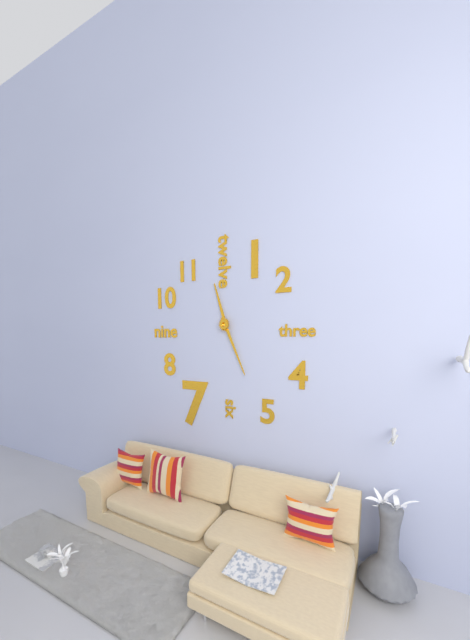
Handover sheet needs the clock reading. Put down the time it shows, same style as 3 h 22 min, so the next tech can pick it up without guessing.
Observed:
11 h 26 min
